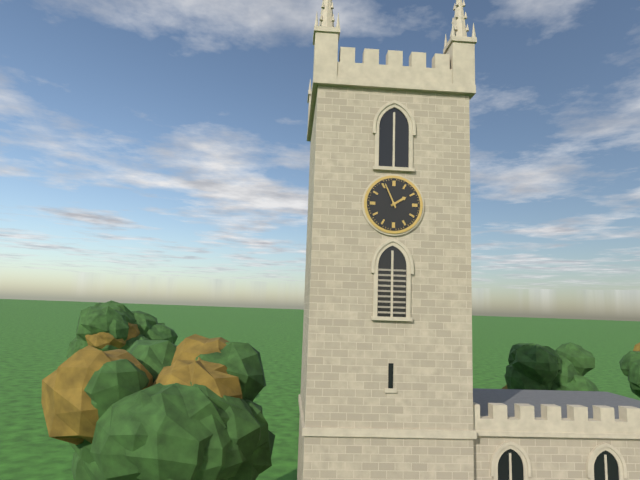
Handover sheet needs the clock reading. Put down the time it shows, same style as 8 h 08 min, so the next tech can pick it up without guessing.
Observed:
1 h 56 min
